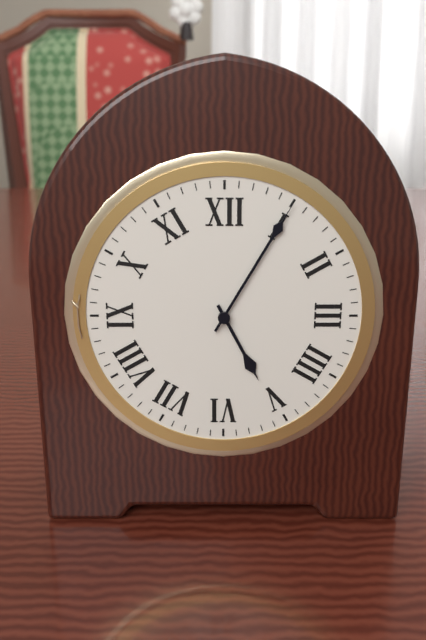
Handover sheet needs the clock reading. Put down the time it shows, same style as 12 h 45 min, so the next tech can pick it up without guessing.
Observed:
5 h 05 min
